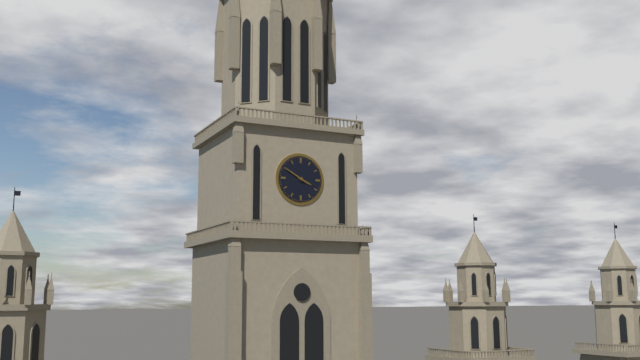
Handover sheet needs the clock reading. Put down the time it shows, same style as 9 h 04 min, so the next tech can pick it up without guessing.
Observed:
3 h 50 min
